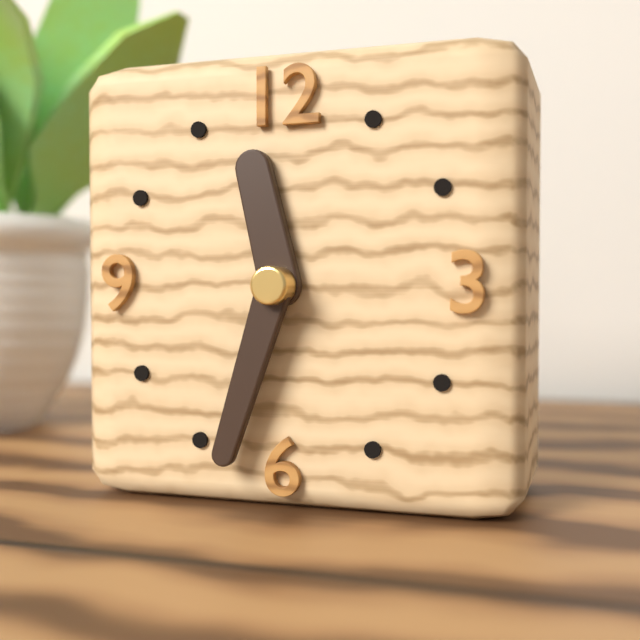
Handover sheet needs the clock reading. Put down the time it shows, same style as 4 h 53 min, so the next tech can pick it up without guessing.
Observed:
11 h 33 min
